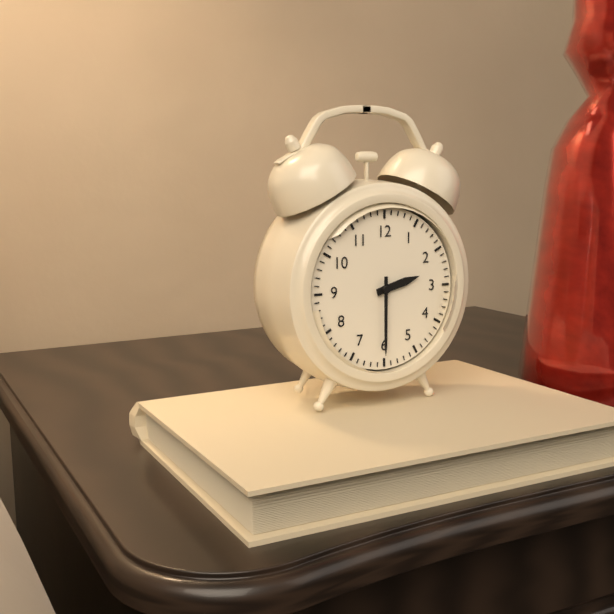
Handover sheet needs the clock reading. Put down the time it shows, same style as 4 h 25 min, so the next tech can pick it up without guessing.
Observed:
2 h 30 min
